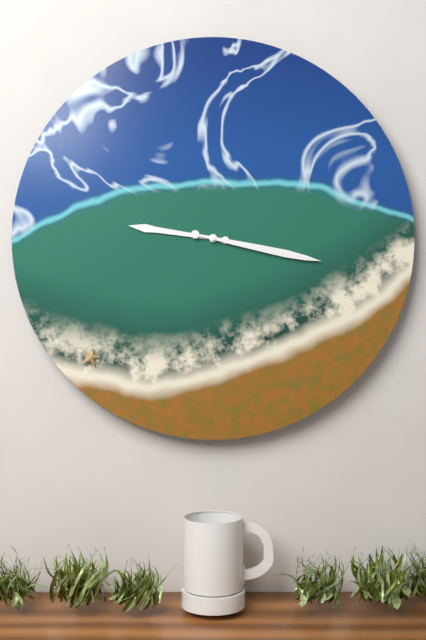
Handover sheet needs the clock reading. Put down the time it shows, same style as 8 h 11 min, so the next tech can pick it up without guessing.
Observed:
9 h 17 min
